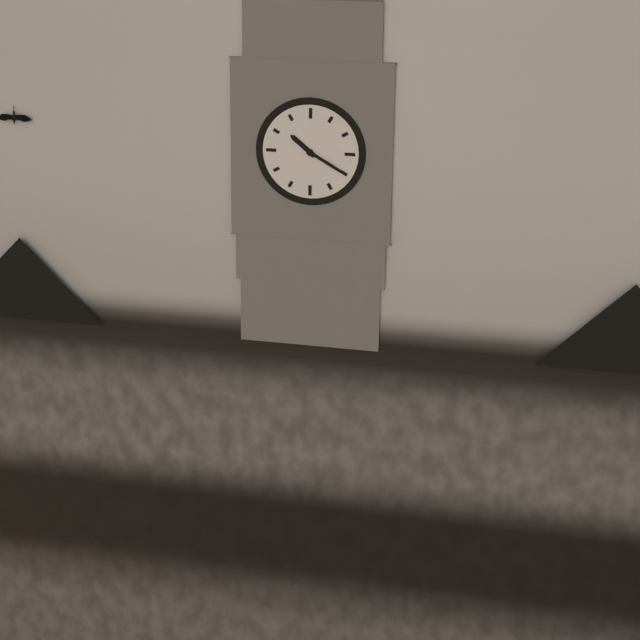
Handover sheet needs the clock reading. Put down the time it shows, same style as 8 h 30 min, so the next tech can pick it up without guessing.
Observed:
10 h 20 min
